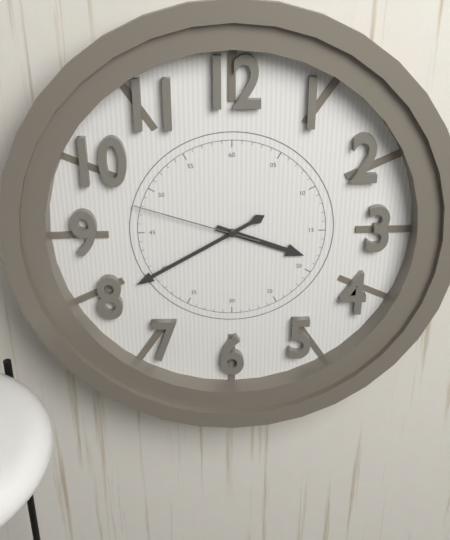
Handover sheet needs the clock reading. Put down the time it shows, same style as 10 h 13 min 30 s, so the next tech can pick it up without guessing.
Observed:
3 h 40 min 48 s
